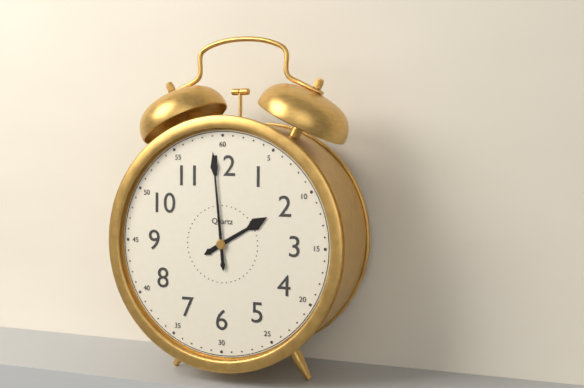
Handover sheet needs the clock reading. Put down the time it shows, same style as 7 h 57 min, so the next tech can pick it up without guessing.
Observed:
1 h 59 min
